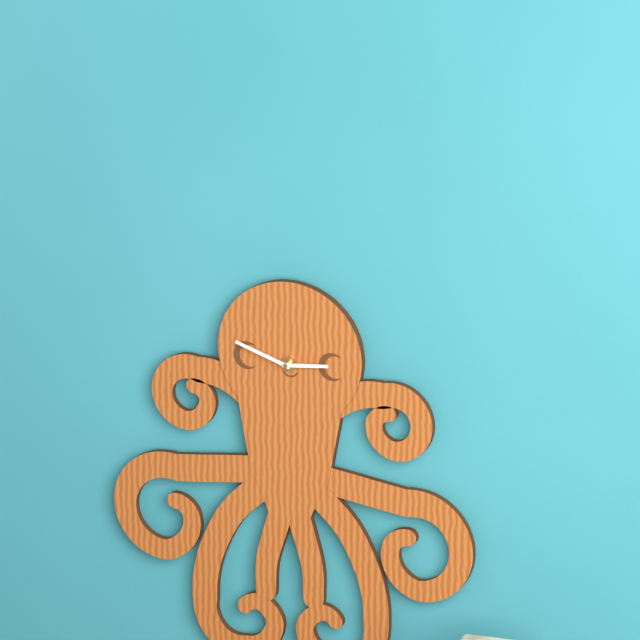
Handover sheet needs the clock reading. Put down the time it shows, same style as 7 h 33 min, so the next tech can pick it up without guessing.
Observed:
2 h 48 min
